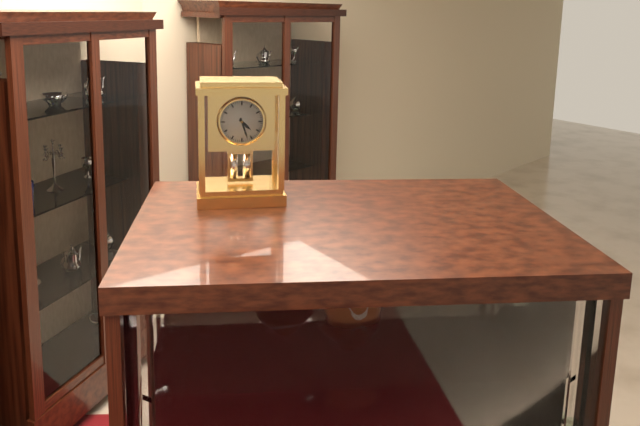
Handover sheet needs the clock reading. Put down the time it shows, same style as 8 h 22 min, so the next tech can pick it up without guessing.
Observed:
4 h 27 min
